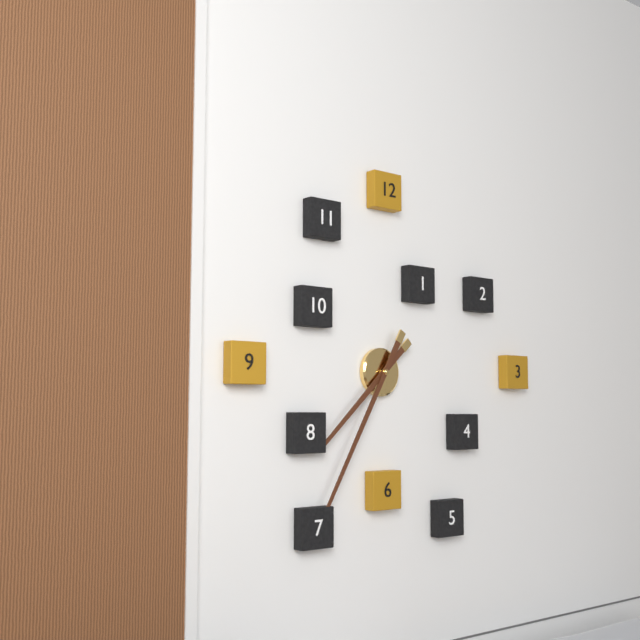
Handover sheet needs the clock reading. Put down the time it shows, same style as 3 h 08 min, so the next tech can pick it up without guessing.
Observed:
7 h 35 min
